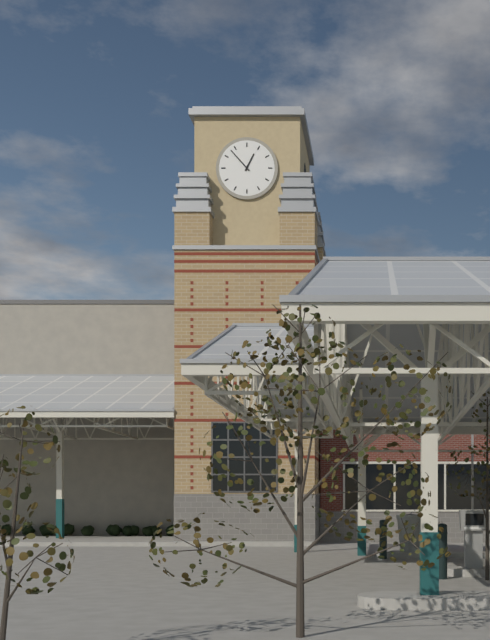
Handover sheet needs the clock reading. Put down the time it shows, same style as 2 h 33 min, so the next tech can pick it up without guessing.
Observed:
12 h 53 min
